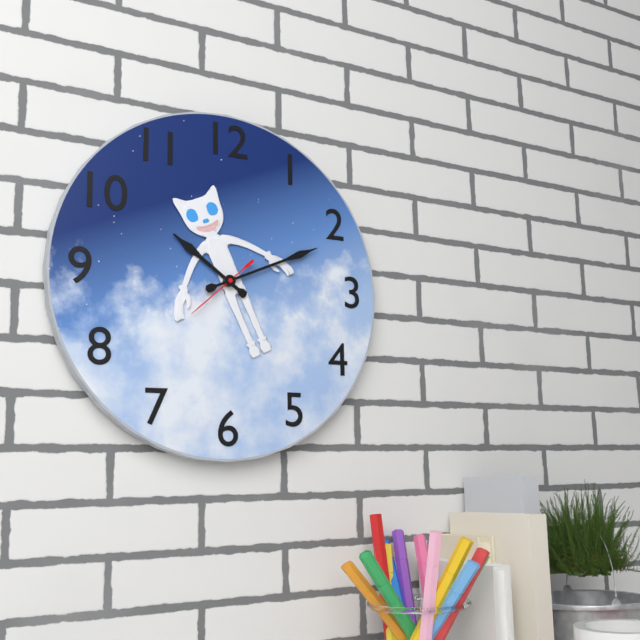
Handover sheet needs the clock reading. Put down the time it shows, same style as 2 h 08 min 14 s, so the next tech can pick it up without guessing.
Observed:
10 h 11 min 38 s
